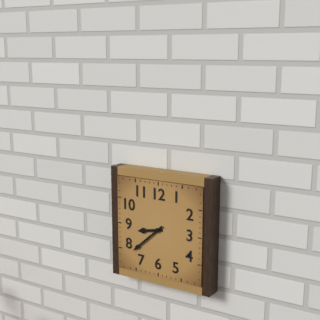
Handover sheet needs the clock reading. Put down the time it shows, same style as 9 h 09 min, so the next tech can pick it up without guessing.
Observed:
8 h 38 min
